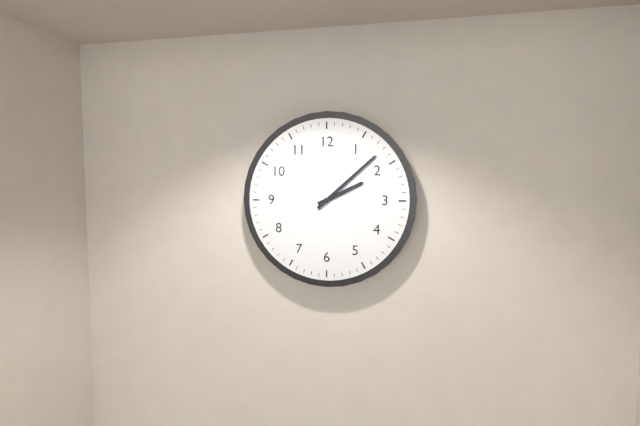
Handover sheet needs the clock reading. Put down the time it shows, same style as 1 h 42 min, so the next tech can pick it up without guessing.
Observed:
2 h 08 min
